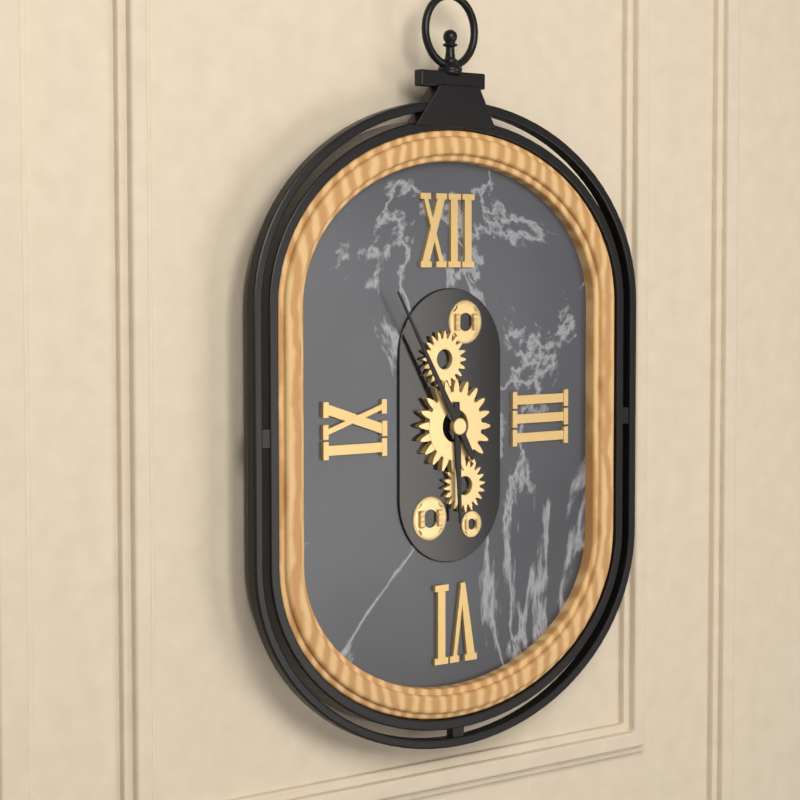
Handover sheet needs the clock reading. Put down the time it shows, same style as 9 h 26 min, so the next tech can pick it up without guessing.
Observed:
5 h 55 min
